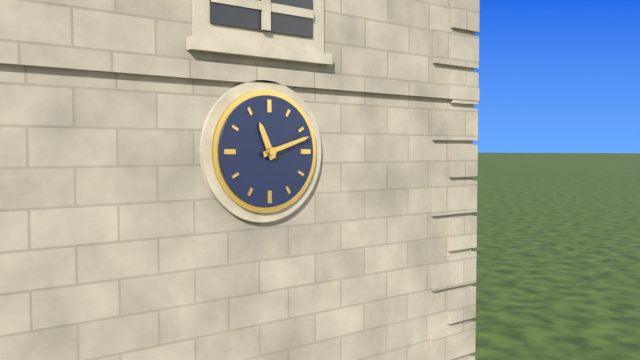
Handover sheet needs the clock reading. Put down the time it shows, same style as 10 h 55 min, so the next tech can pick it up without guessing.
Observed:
11 h 12 min
